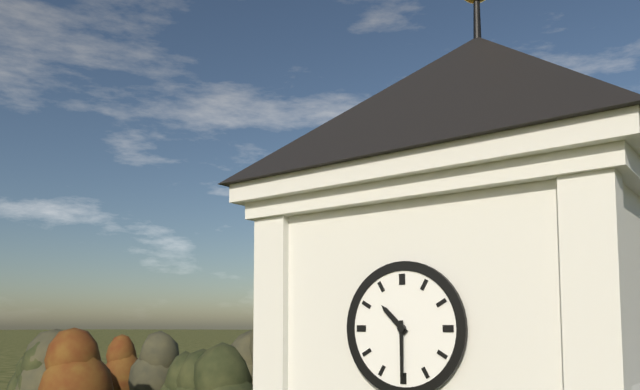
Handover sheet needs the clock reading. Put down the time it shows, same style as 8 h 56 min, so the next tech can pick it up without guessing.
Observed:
10 h 30 min
